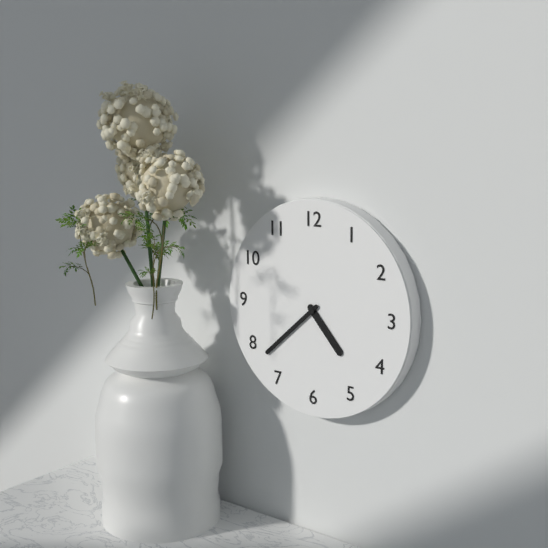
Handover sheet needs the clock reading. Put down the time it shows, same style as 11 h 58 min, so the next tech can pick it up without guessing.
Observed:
4 h 38 min
